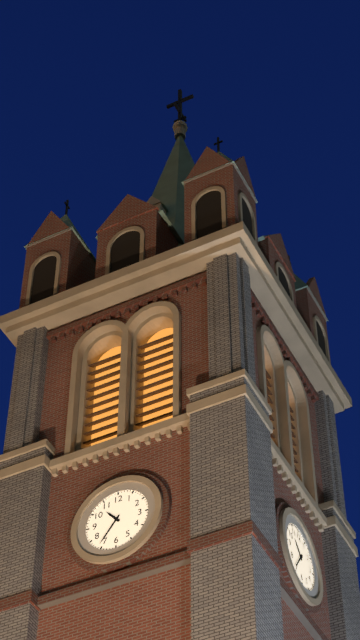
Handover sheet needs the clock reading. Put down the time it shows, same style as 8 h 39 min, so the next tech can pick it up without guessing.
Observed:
10 h 36 min
